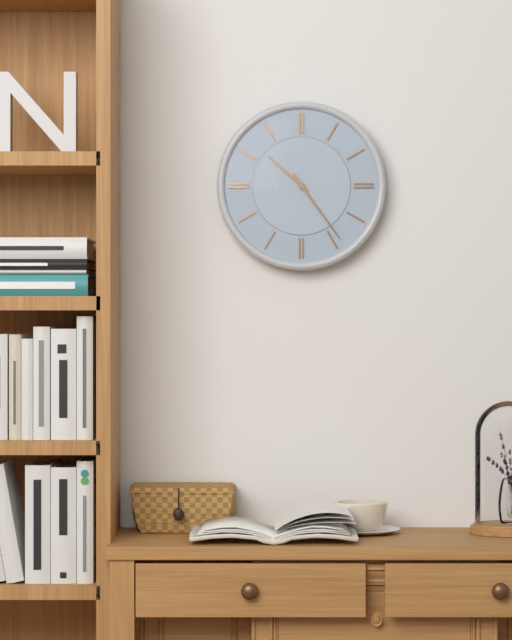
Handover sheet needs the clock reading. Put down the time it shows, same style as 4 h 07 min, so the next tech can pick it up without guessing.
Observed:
10 h 24 min
